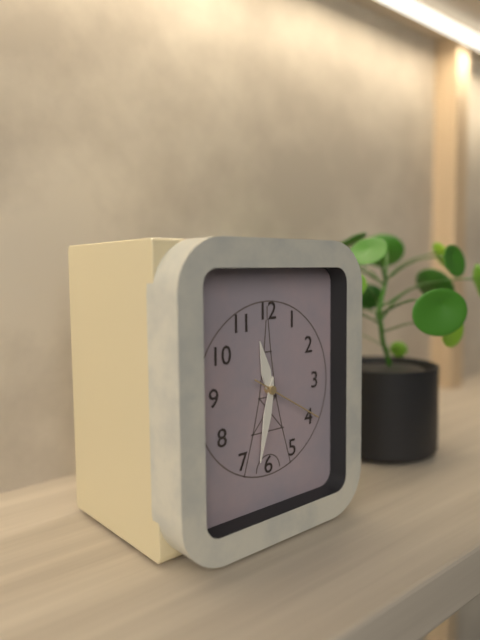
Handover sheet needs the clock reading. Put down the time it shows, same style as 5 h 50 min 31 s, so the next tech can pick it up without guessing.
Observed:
11 h 32 min 20 s
